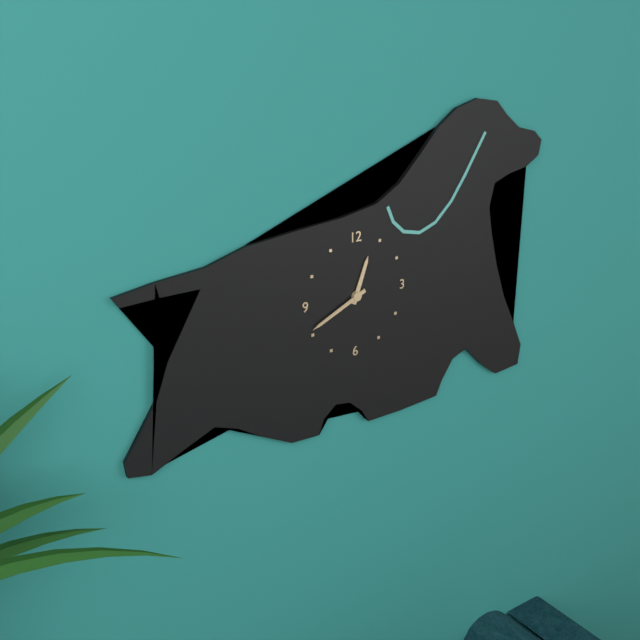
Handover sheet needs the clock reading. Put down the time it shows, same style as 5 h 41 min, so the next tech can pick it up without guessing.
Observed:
12 h 41 min
